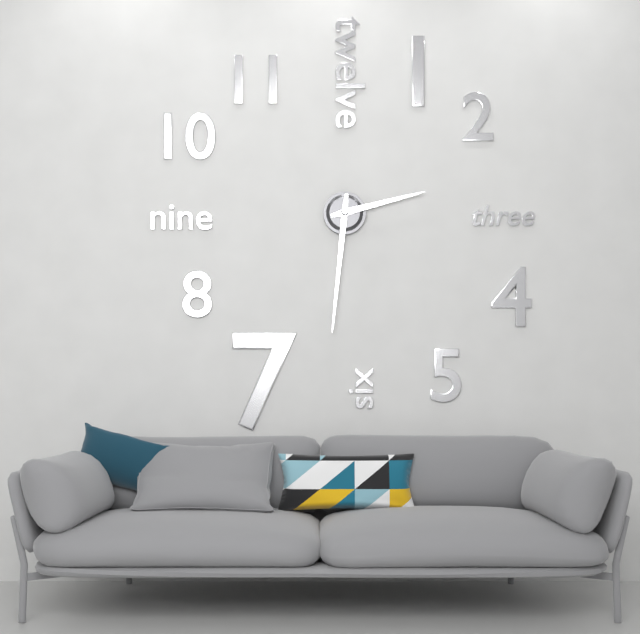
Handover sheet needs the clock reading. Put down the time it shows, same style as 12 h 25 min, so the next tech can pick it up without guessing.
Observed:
2 h 31 min
